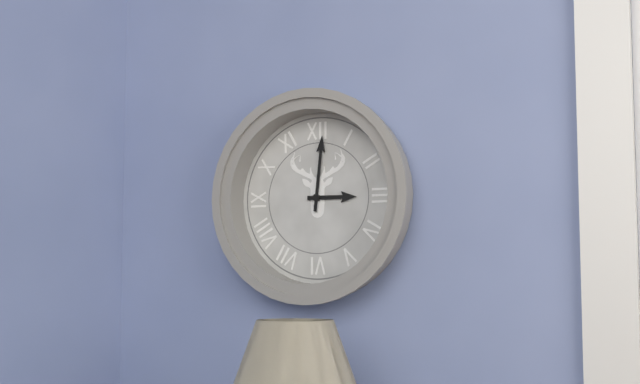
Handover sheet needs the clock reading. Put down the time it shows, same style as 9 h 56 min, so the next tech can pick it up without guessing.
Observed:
3 h 01 min
